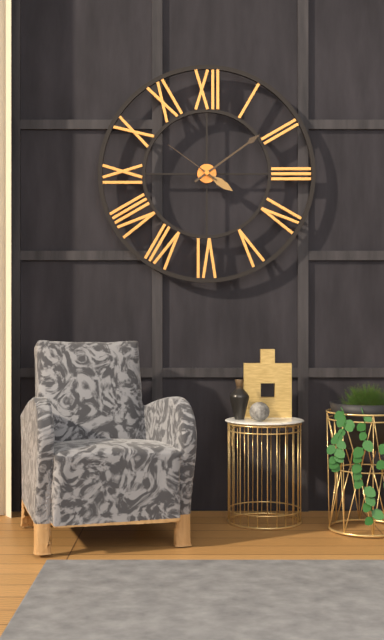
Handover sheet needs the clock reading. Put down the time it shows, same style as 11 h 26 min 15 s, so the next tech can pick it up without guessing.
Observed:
4 h 09 min 51 s
